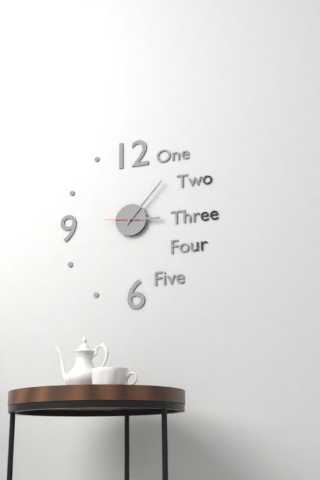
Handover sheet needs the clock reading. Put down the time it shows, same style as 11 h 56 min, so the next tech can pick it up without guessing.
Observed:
3 h 07 min
